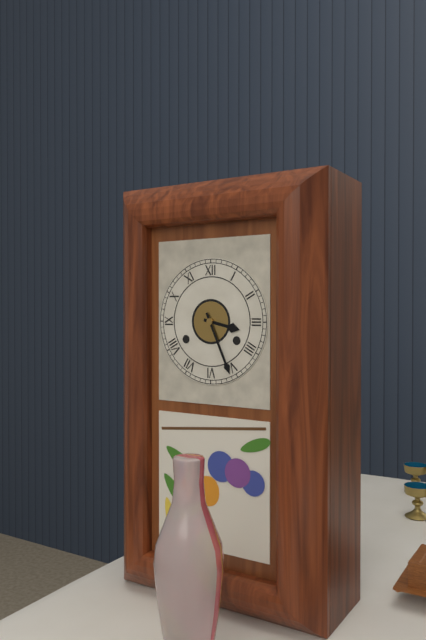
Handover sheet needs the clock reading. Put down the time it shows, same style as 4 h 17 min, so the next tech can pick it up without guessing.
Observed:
3 h 26 min
